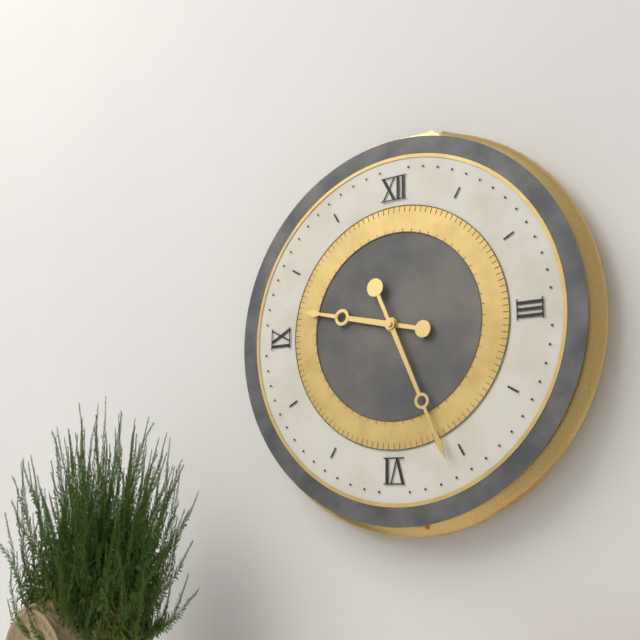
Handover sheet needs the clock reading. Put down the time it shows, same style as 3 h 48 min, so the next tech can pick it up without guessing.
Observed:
9 h 26 min
